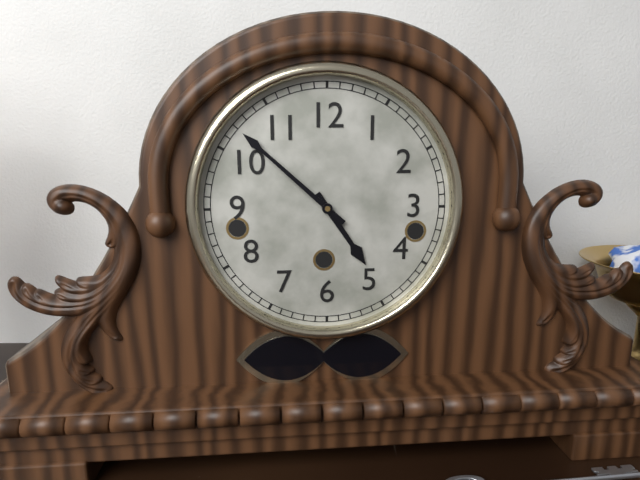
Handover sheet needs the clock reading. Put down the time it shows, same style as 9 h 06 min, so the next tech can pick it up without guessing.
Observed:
4 h 52 min
